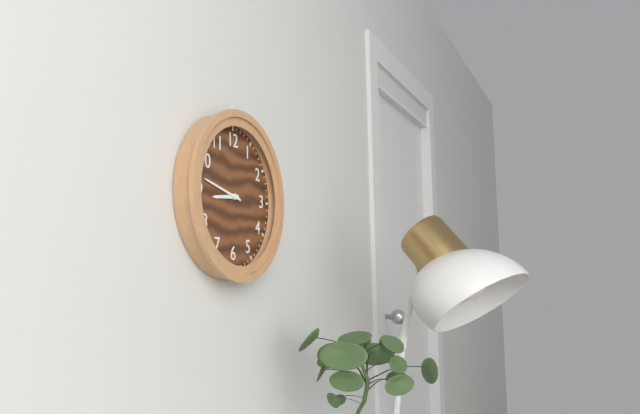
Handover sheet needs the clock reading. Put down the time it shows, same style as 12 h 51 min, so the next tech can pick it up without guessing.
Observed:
8 h 47 min
